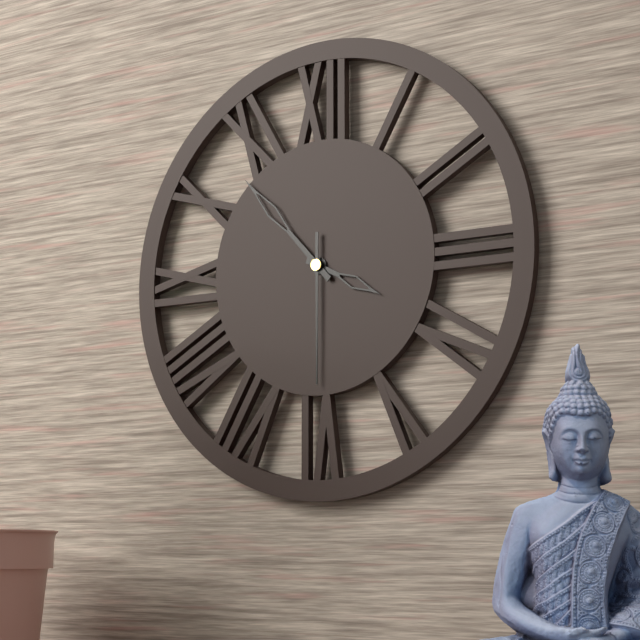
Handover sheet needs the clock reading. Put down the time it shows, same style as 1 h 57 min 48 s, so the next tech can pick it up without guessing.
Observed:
3 h 53 min 30 s
